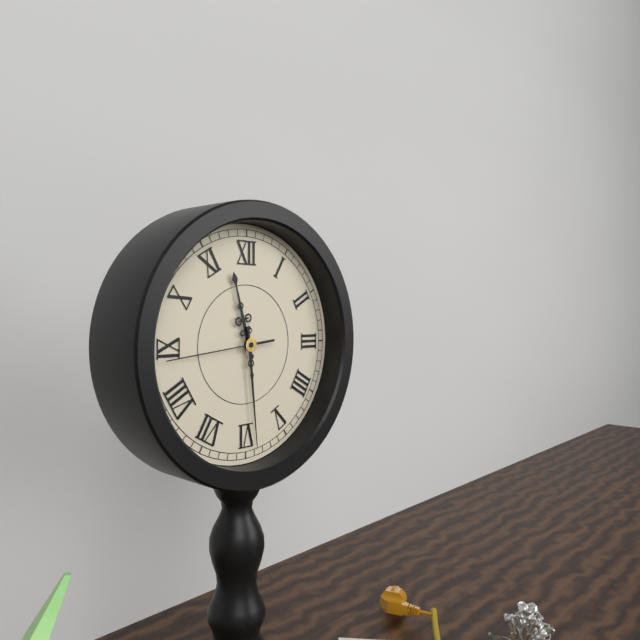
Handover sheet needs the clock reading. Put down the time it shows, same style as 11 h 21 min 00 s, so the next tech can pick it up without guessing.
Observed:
11 h 29 min 44 s
